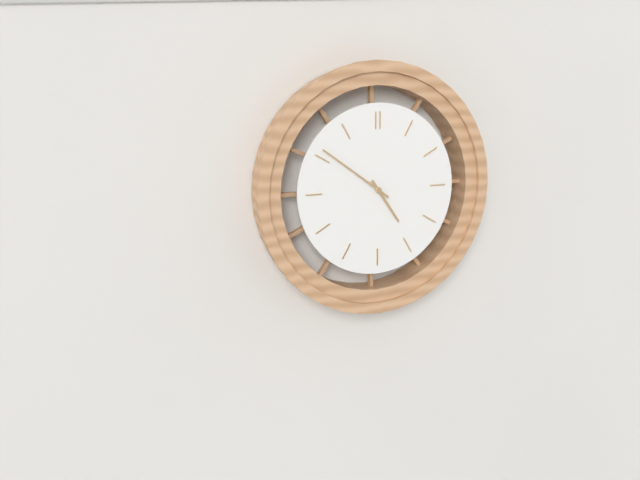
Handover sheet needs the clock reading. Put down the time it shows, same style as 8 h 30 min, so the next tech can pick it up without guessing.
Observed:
4 h 51 min
